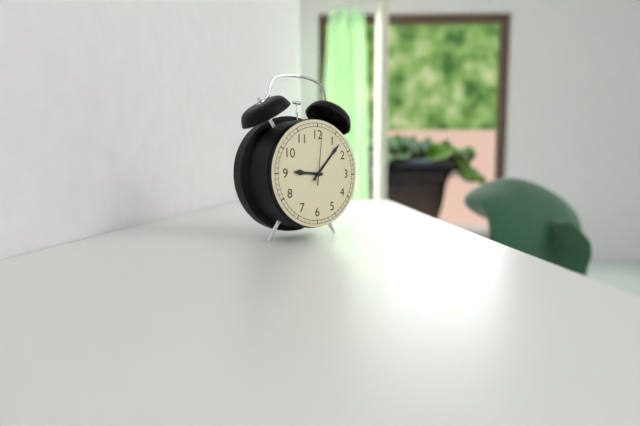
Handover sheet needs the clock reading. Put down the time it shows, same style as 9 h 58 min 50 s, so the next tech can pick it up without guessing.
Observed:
9 h 07 min 01 s
